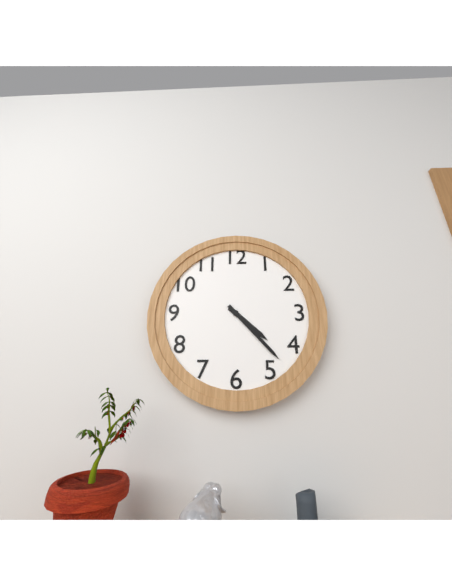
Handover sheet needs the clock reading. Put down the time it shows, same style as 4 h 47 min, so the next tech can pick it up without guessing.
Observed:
4 h 23 min
